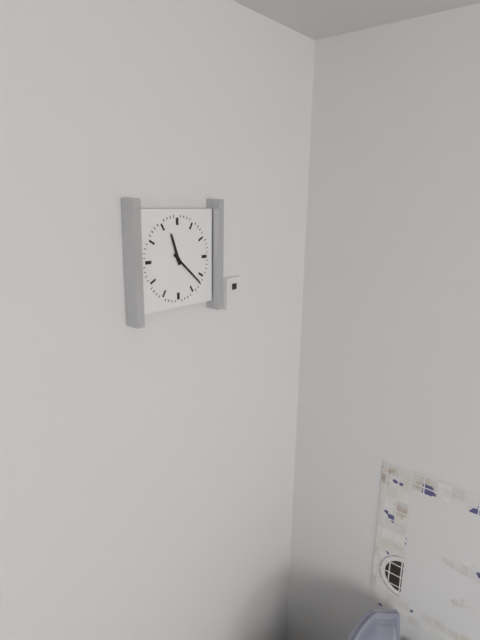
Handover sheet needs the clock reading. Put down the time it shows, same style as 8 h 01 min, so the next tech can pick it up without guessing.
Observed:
11 h 22 min
